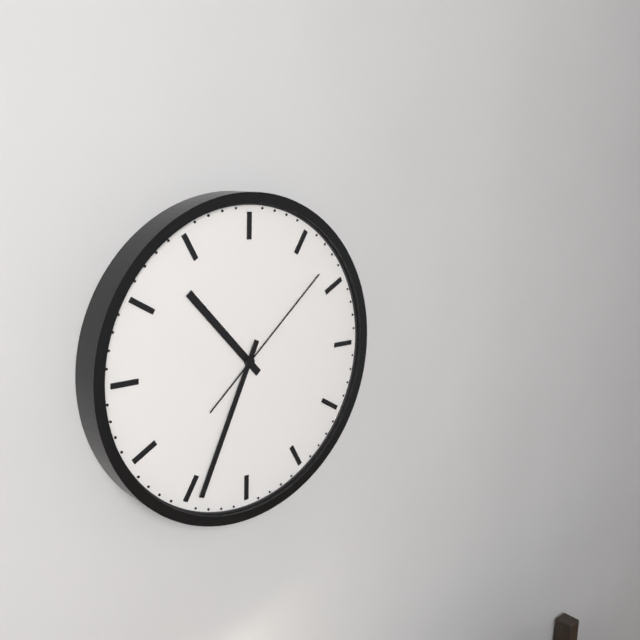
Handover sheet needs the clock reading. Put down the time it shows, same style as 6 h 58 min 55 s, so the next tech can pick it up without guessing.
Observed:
10 h 34 min 08 s
